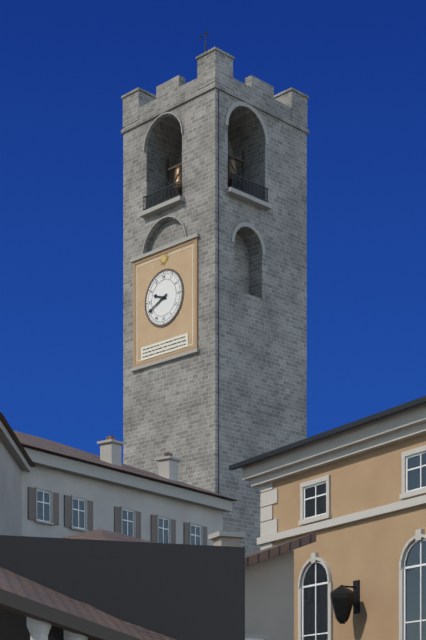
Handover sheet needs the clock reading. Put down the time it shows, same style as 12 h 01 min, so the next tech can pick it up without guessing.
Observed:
9 h 41 min
